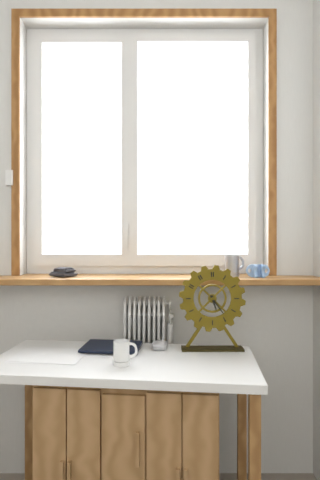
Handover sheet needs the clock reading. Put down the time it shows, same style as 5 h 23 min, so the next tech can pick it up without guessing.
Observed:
5 h 24 min
